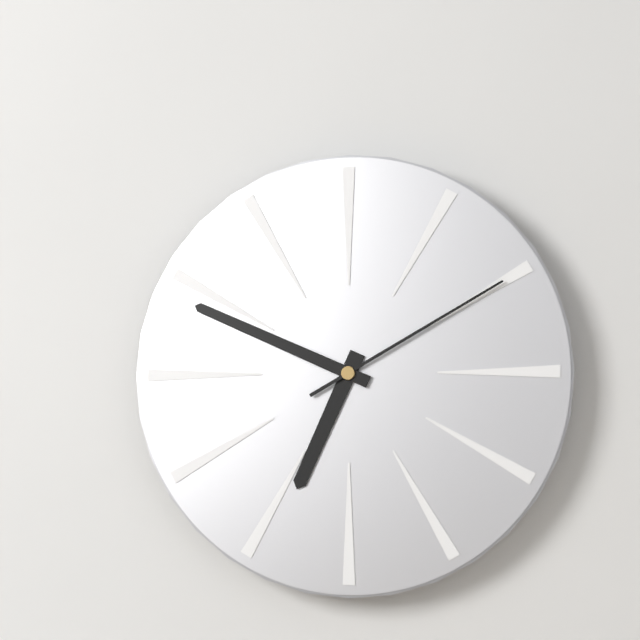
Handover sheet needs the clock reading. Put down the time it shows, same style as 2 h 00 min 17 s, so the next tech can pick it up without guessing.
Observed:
6 h 49 min 10 s
